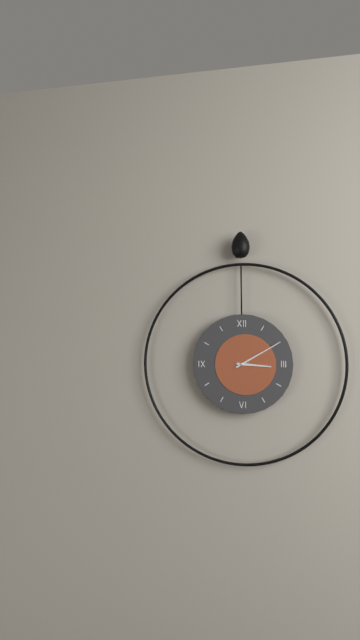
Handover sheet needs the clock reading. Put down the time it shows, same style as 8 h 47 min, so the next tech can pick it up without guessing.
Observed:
3 h 10 min
